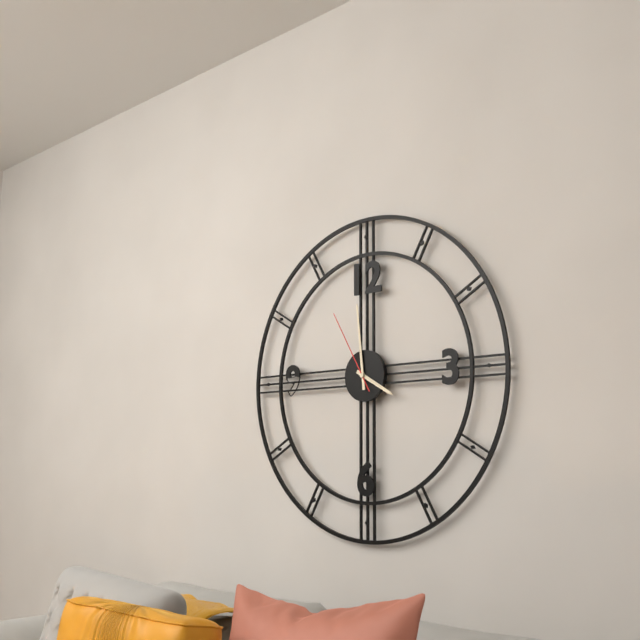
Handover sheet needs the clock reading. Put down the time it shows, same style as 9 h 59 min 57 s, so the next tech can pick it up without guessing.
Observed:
3 h 59 min 55 s
